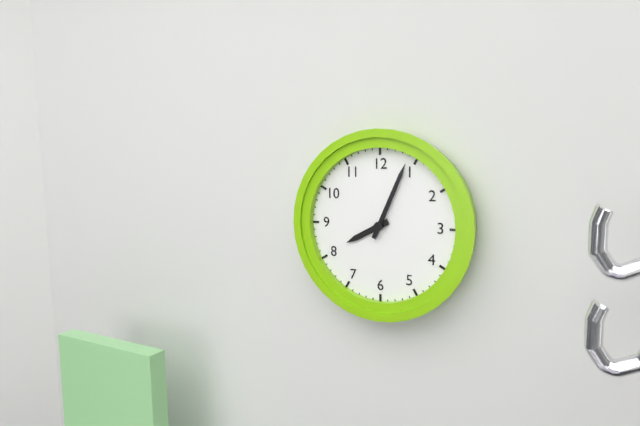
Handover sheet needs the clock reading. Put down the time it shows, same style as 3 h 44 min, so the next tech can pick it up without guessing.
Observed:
8 h 04 min
